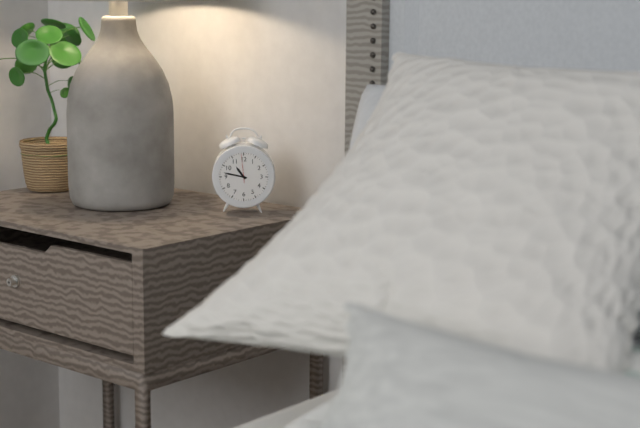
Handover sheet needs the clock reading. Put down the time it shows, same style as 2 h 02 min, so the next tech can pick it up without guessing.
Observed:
10 h 47 min
